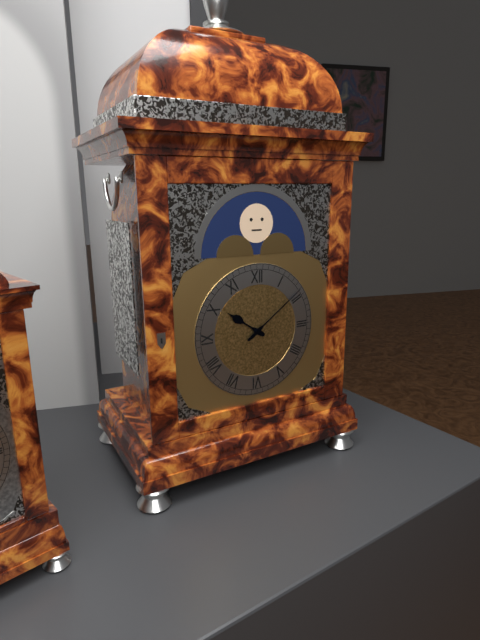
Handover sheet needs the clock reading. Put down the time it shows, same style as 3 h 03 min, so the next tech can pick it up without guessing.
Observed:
10 h 09 min
